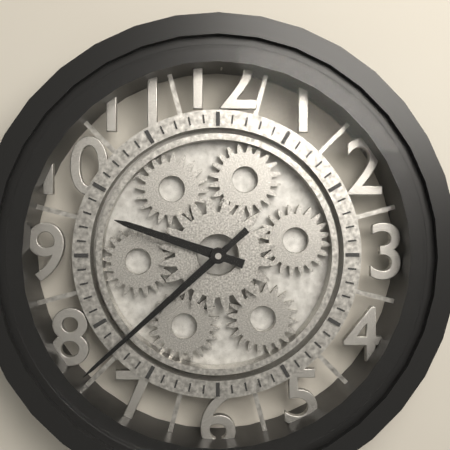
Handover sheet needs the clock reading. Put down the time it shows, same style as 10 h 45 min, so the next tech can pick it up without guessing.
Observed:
9 h 38 min
